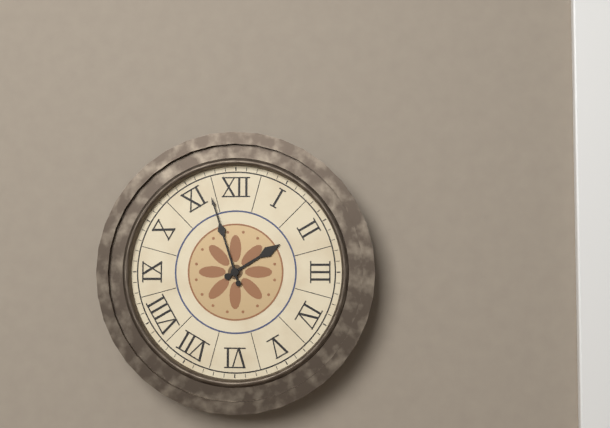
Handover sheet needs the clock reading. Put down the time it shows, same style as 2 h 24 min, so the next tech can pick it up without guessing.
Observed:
1 h 57 min
